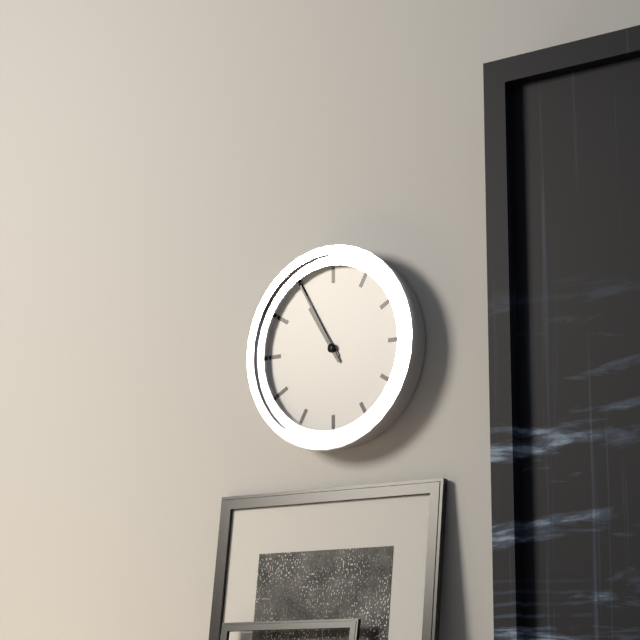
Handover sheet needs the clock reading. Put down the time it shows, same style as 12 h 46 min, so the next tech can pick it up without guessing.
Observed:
10 h 55 min
